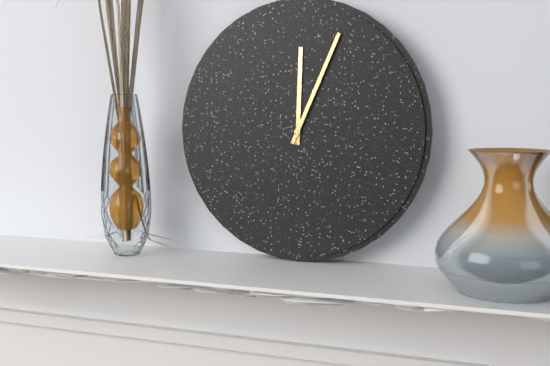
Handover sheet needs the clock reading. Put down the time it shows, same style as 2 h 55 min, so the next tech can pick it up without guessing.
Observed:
12 h 04 min
